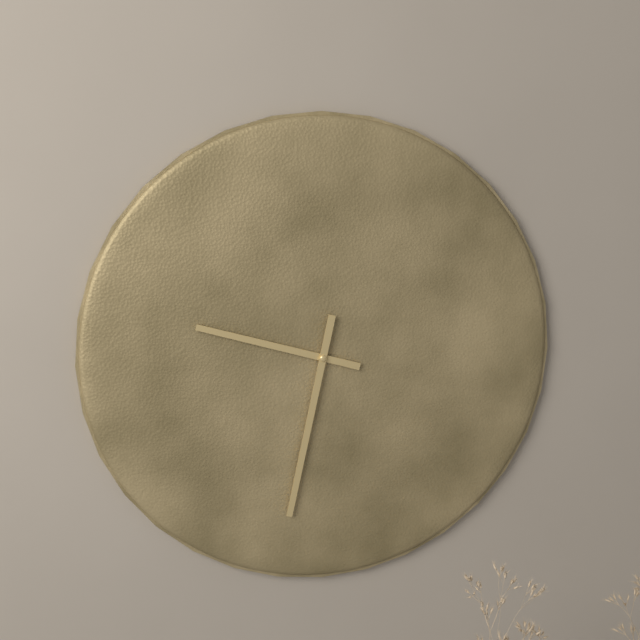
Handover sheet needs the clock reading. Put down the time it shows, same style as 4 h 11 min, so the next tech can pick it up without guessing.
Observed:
9 h 32 min
